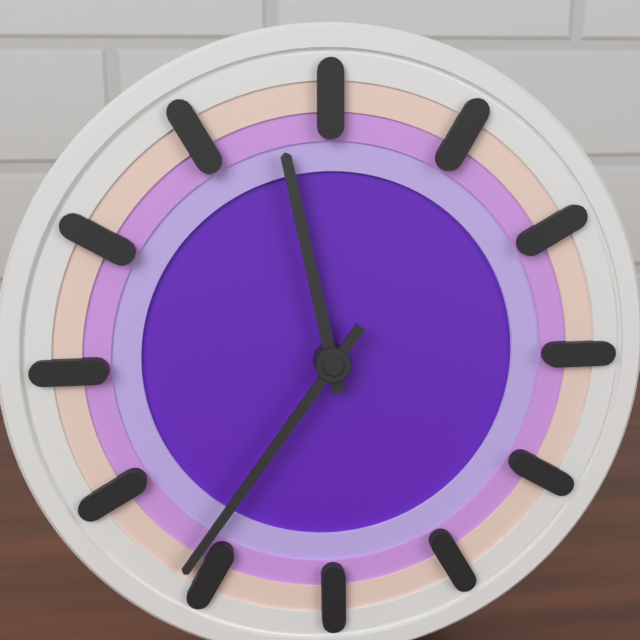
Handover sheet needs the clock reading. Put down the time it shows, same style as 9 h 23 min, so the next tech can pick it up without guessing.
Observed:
11 h 36 min
